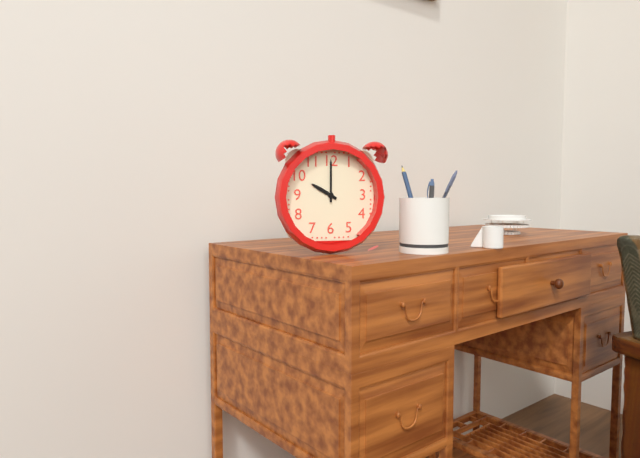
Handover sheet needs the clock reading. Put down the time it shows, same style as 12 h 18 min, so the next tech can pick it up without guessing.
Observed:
10 h 00 min
